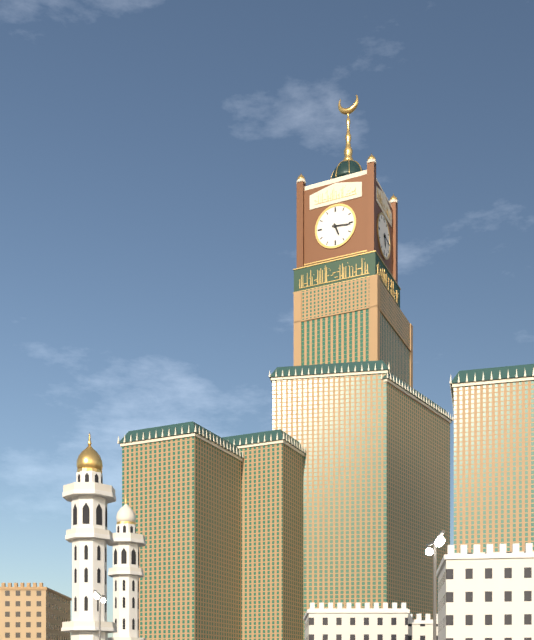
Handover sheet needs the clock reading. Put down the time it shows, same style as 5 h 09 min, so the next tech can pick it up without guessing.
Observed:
5 h 16 min
